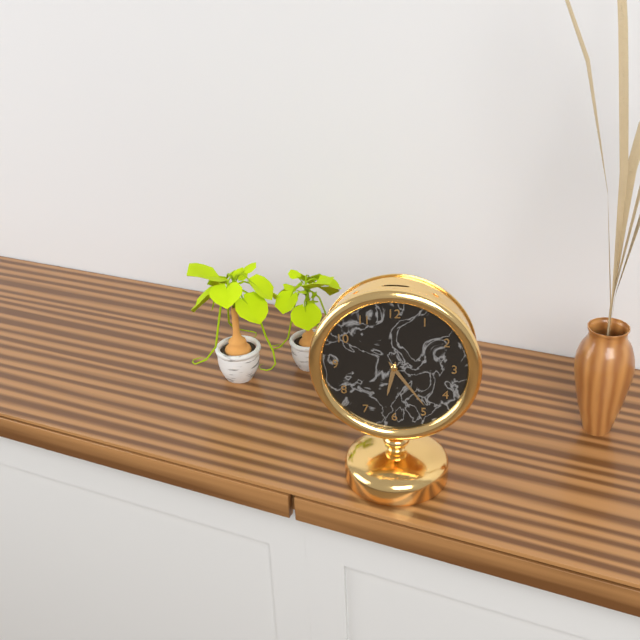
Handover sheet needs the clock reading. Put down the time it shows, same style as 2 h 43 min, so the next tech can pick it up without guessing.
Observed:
6 h 24 min
